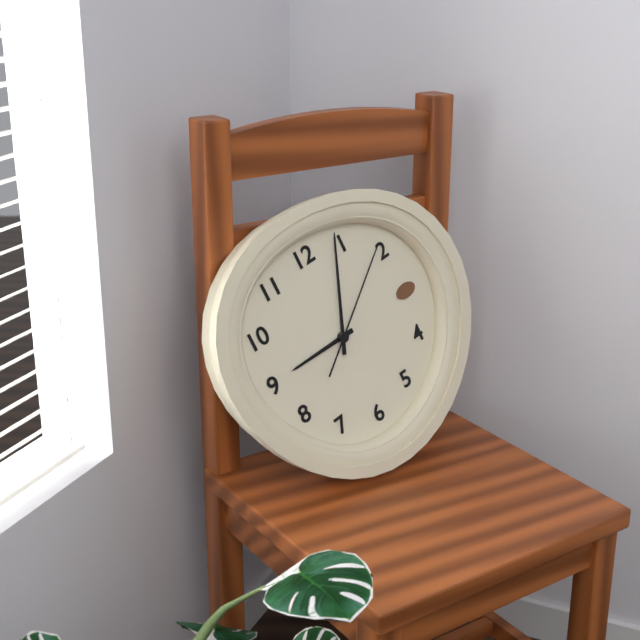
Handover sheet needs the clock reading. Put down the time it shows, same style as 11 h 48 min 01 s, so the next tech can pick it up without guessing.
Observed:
9 h 04 min 09 s
